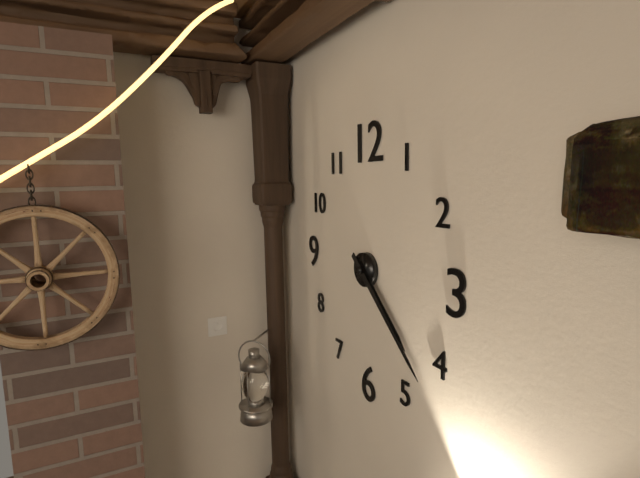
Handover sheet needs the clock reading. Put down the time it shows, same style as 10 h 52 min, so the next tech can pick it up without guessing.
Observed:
4 h 22 min
